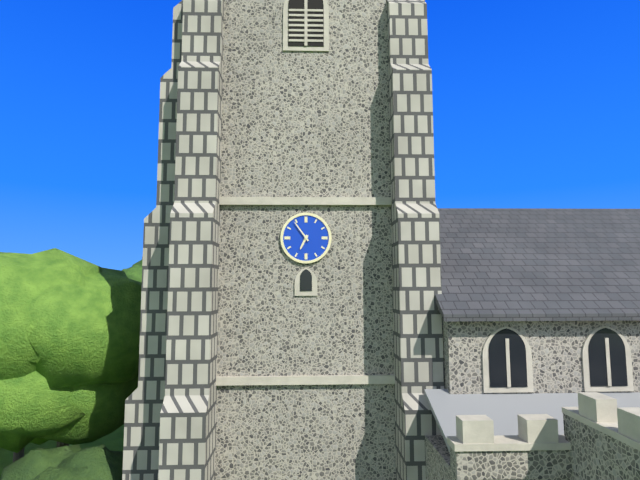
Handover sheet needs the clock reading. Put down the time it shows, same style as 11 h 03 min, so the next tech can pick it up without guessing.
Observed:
6 h 54 min
